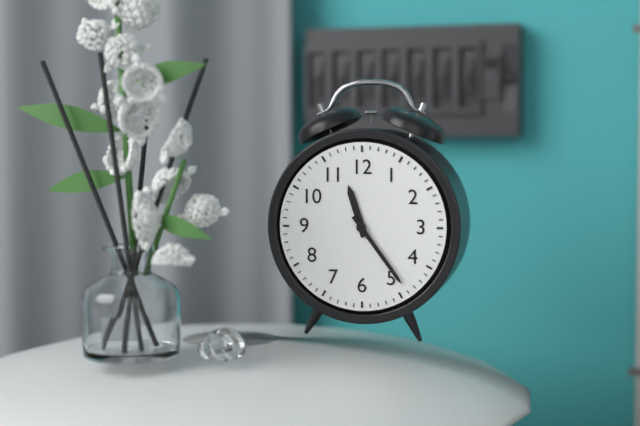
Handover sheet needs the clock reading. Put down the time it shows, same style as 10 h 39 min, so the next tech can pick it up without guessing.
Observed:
11 h 24 min
